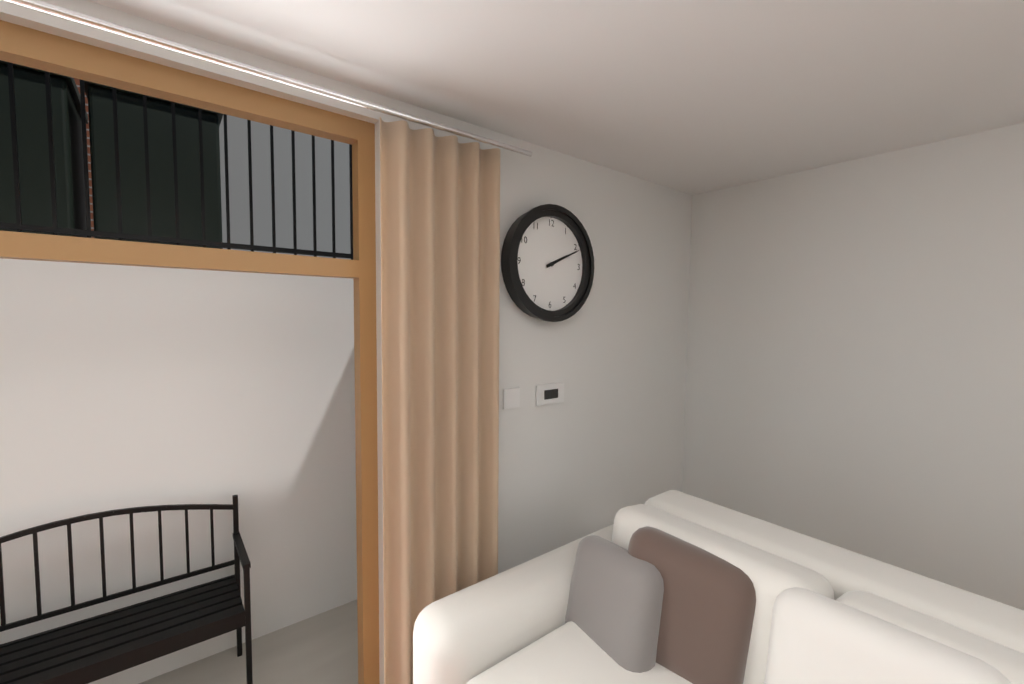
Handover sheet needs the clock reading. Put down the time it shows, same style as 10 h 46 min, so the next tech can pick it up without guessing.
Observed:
2 h 11 min
